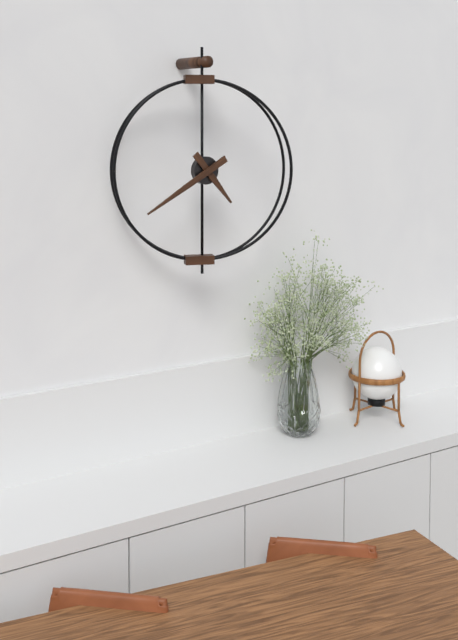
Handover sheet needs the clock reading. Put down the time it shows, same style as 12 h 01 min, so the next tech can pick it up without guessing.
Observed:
4 h 40 min
